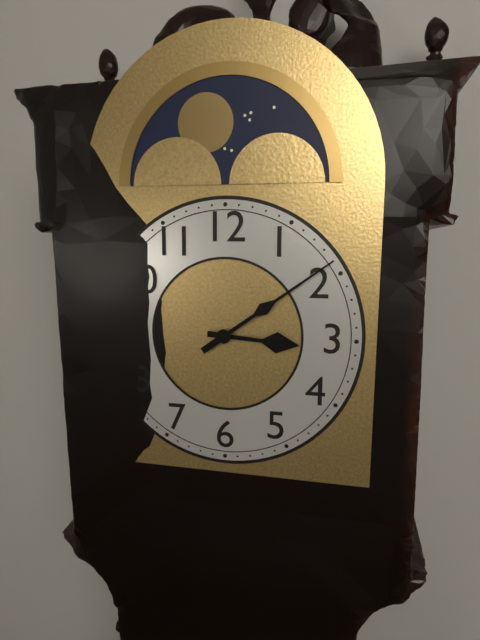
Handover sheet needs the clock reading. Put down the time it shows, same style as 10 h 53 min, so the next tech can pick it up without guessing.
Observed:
3 h 09 min
